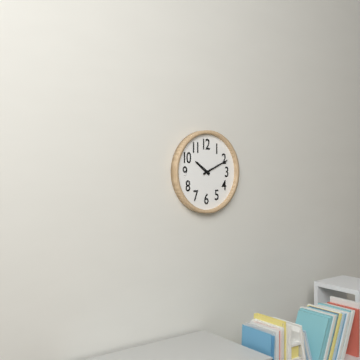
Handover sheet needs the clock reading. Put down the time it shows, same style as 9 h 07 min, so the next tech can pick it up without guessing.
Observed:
10 h 11 min
